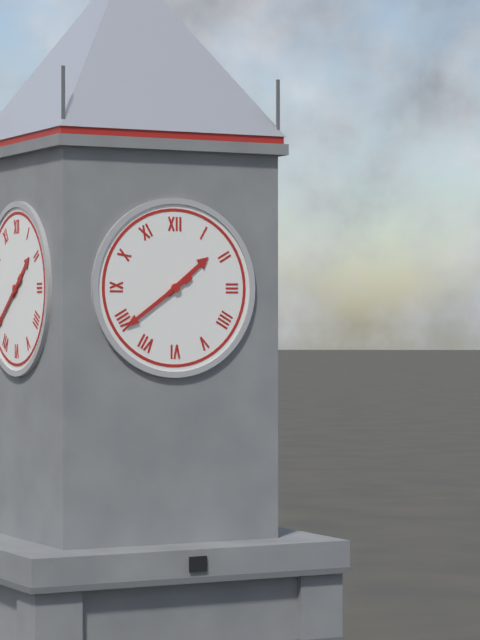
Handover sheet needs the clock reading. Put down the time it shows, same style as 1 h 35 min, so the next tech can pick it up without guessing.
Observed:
1 h 39 min
